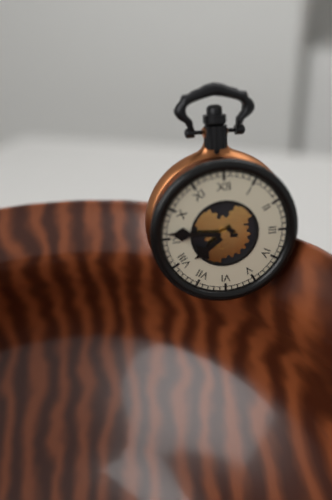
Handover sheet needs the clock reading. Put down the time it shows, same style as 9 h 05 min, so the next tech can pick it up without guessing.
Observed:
7 h 46 min
